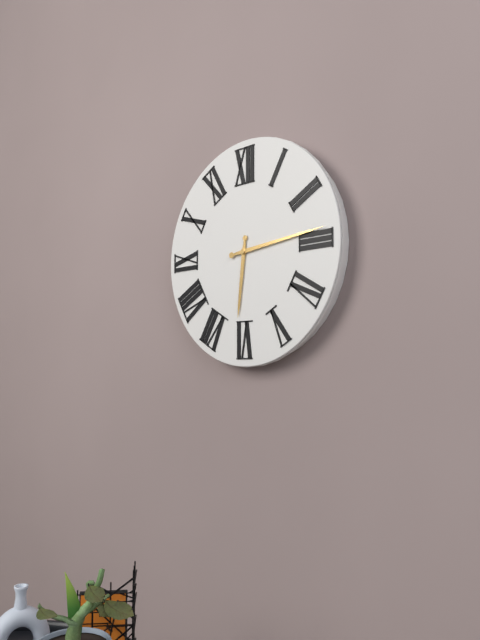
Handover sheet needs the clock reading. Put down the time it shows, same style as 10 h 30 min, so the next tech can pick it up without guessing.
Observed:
6 h 14 min
